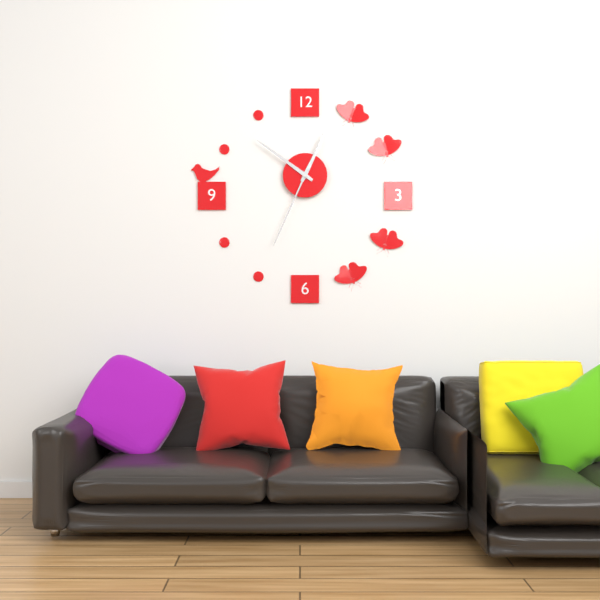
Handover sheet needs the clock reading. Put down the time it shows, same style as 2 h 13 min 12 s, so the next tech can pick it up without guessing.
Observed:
12 h 51 min 34 s
